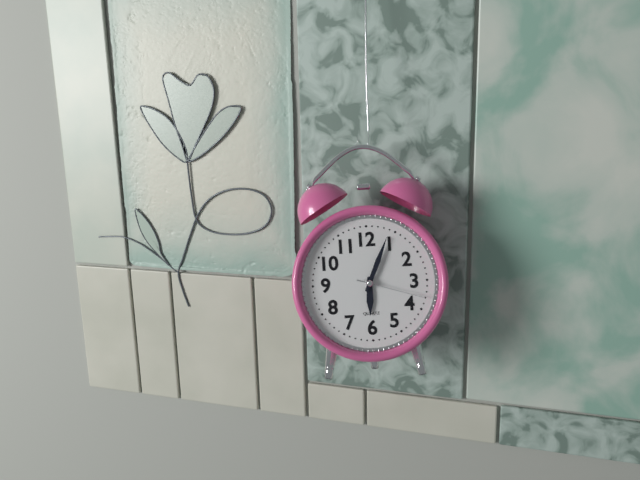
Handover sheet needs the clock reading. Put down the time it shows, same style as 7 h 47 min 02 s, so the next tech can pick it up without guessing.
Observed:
6 h 04 min 18 s
